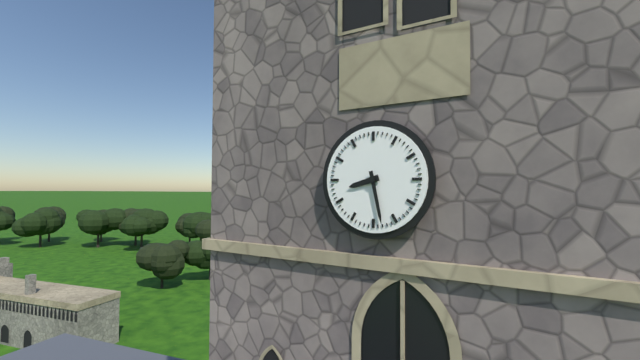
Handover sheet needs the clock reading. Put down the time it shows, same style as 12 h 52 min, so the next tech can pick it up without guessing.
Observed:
8 h 28 min
